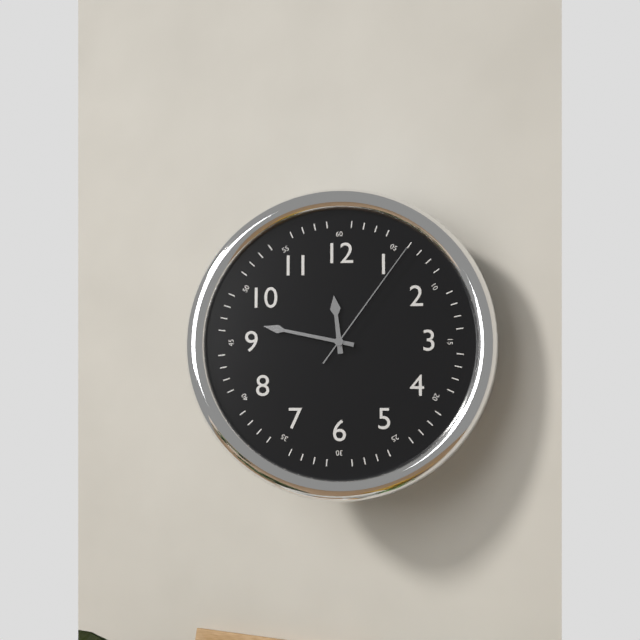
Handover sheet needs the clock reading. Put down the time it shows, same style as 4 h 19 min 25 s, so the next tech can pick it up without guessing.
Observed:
11 h 47 min 06 s
